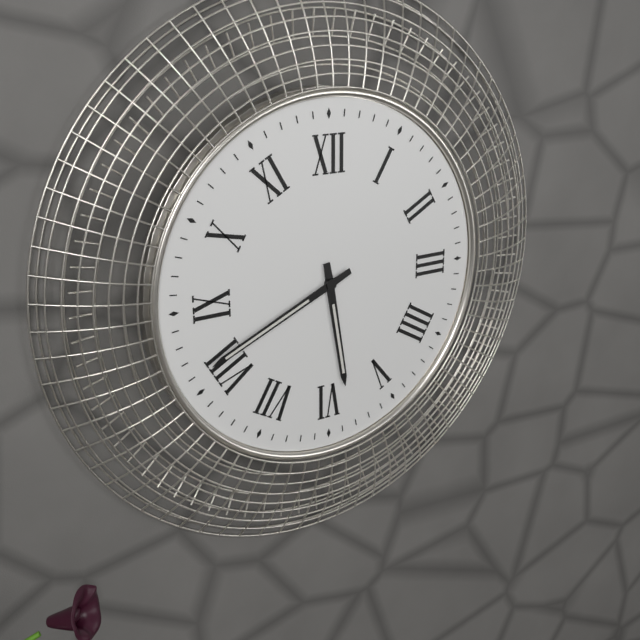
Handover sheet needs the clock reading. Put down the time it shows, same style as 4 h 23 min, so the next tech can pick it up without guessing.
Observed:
5 h 41 min
